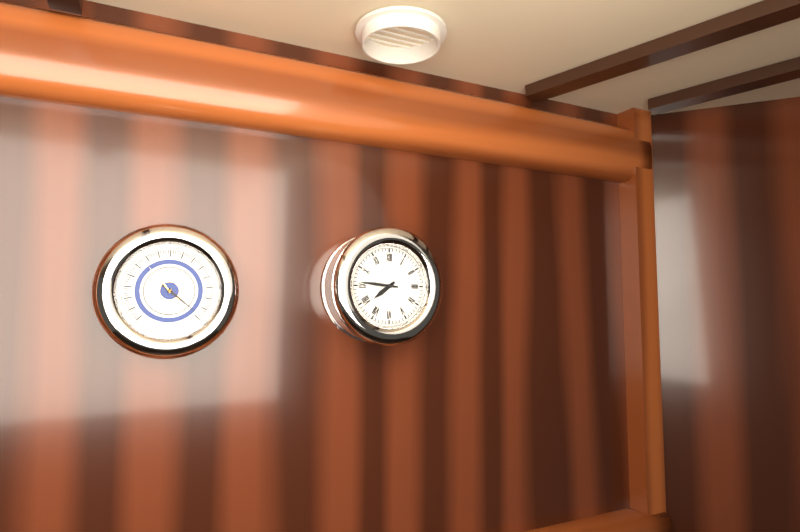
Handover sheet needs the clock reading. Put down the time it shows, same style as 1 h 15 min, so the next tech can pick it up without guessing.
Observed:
7 h 46 min
